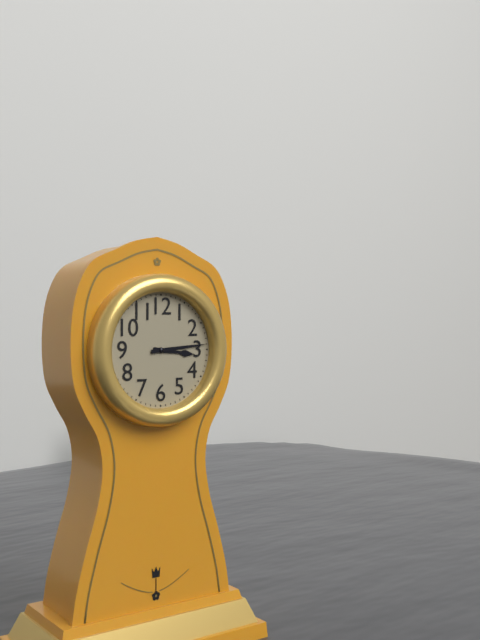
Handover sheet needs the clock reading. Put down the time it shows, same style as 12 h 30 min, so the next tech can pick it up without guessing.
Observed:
3 h 14 min
